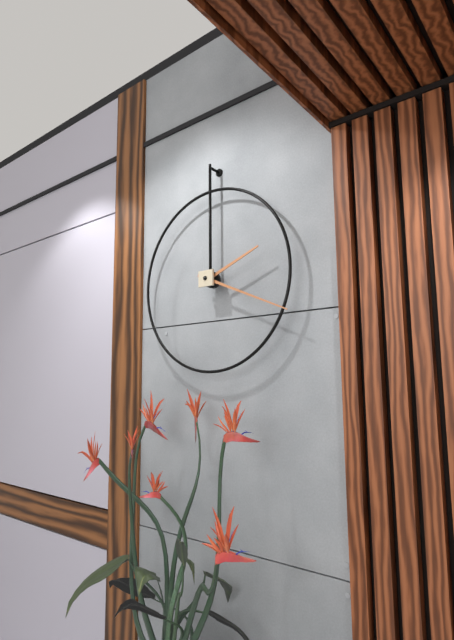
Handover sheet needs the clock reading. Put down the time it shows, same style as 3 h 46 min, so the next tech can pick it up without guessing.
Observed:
2 h 19 min
